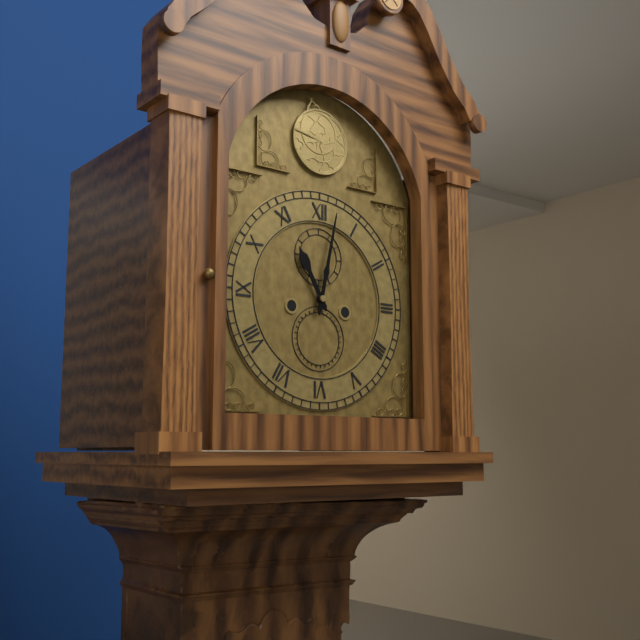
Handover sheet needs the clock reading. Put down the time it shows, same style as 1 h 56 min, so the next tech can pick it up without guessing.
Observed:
11 h 02 min
